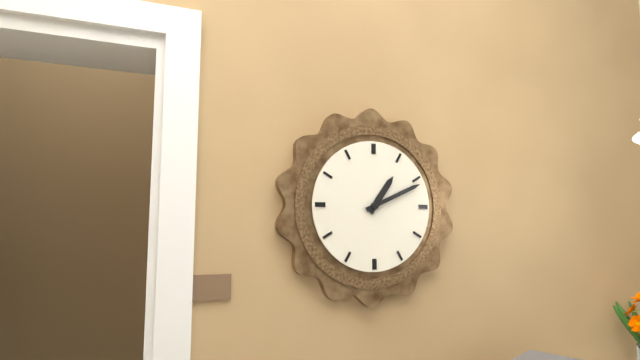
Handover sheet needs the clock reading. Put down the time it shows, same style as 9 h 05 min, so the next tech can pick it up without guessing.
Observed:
1 h 11 min
